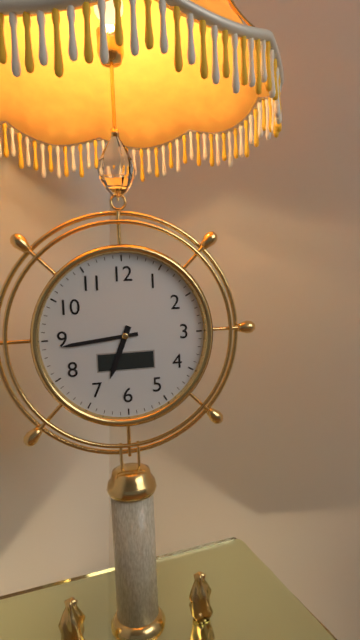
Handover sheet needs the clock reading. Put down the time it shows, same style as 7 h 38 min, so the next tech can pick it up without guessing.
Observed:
6 h 44 min
